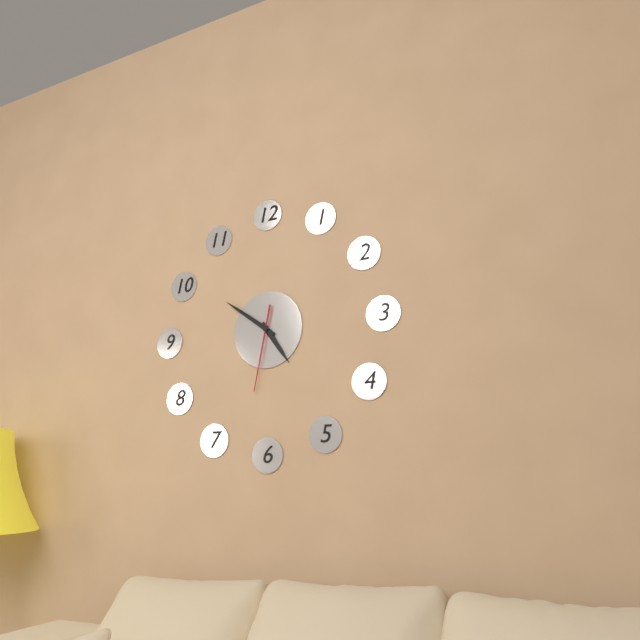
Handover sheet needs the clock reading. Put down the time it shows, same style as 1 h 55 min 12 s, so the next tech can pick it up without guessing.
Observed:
4 h 51 min 32 s
